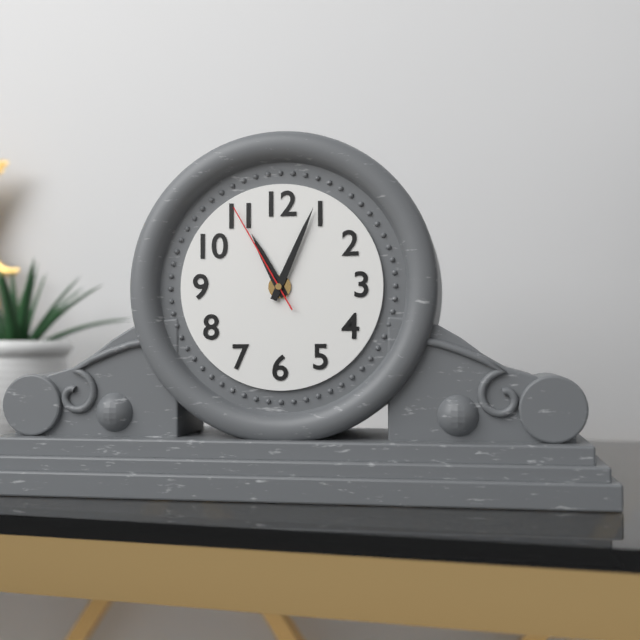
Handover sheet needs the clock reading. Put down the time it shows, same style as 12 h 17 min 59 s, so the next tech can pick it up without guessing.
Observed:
11 h 04 min 55 s
